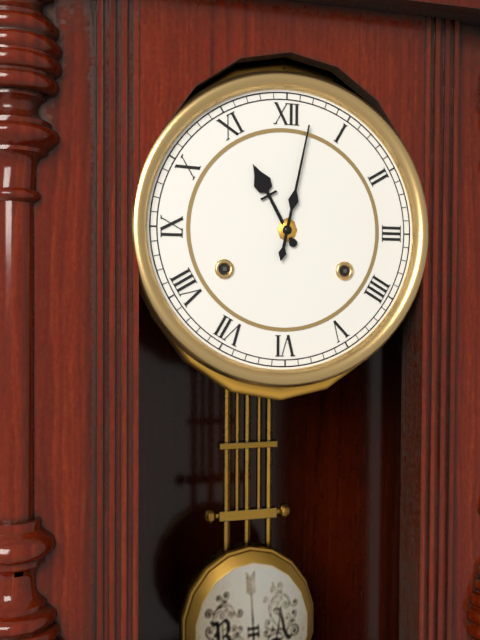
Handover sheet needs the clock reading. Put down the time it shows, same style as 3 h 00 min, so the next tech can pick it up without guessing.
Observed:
11 h 02 min
